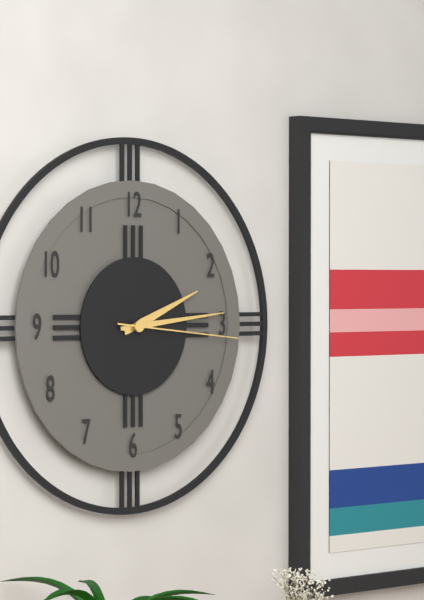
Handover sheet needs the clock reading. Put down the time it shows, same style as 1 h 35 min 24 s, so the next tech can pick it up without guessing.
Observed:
2 h 14 min 16 s
